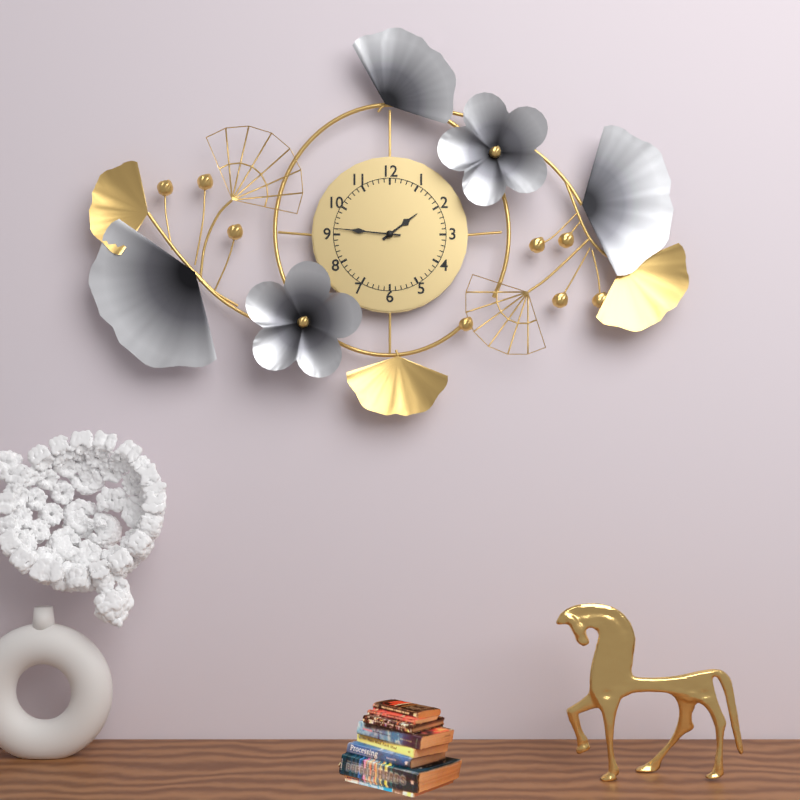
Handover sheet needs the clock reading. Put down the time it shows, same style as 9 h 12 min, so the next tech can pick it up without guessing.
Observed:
1 h 46 min
